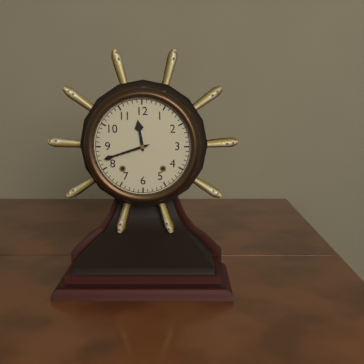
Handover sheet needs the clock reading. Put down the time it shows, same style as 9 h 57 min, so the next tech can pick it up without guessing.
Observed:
11 h 42 min
